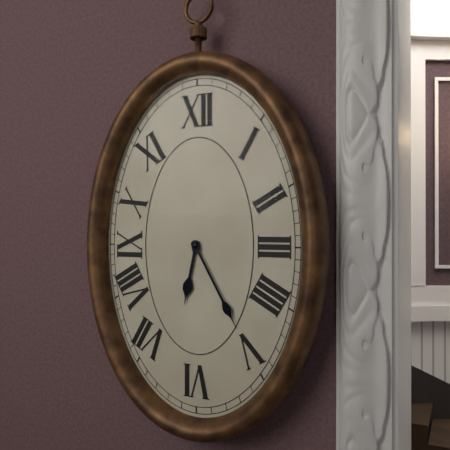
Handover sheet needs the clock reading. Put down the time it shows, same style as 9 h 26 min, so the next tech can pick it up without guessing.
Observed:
6 h 25 min
